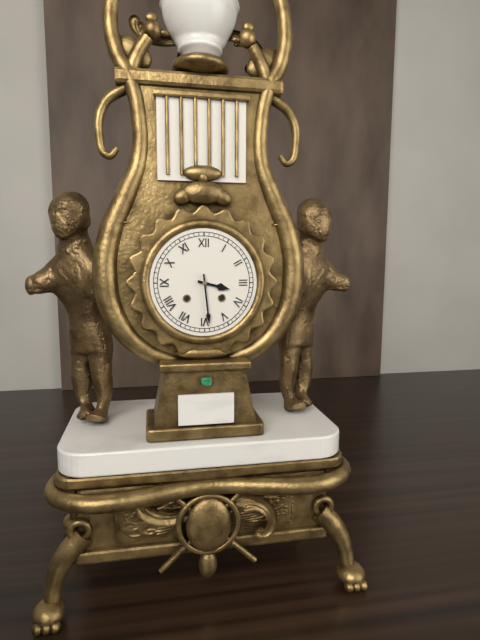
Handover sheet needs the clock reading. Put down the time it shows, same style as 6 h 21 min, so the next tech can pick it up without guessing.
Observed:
3 h 29 min
